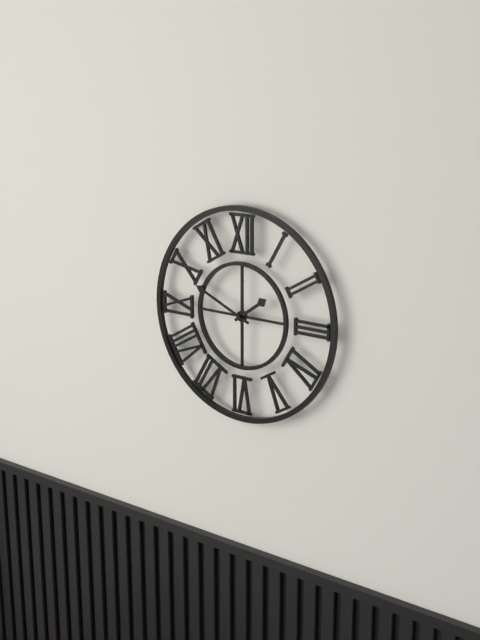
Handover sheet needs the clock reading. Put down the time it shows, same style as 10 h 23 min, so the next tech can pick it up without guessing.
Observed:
1 h 49 min
